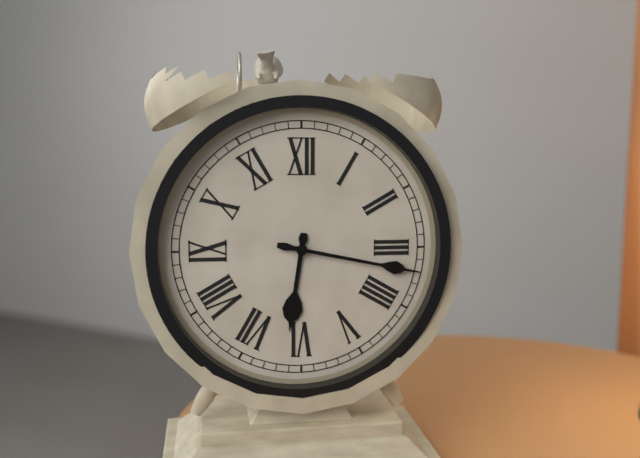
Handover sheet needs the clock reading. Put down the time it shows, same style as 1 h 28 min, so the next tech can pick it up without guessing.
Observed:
6 h 17 min
